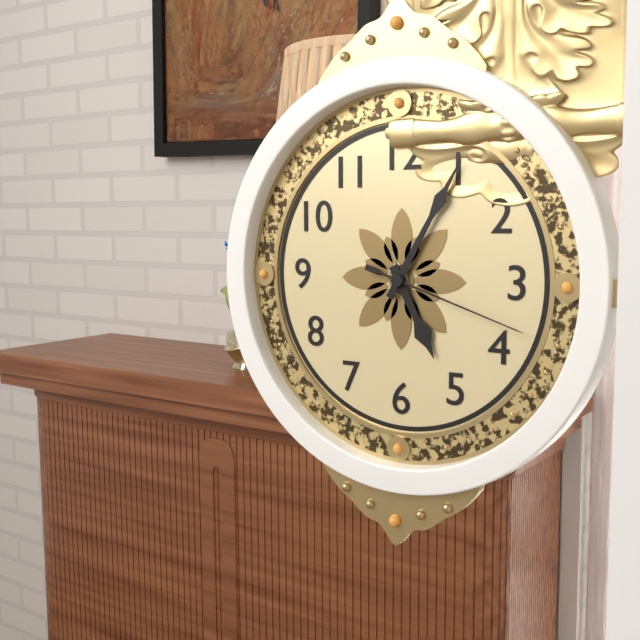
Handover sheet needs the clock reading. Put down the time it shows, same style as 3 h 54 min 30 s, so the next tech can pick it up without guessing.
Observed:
5 h 05 min 18 s
